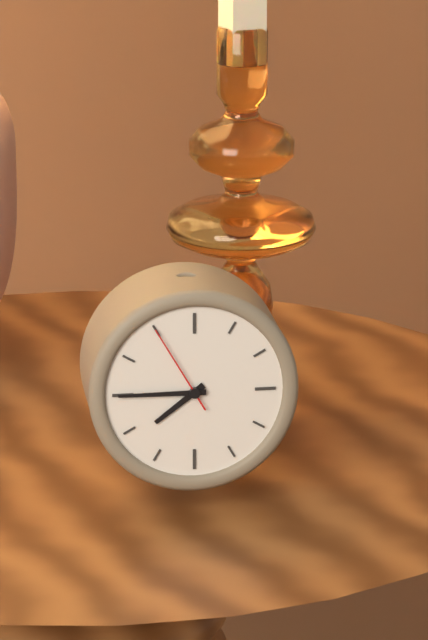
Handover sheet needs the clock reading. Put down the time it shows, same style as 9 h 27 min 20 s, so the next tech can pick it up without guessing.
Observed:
7 h 45 min 55 s
